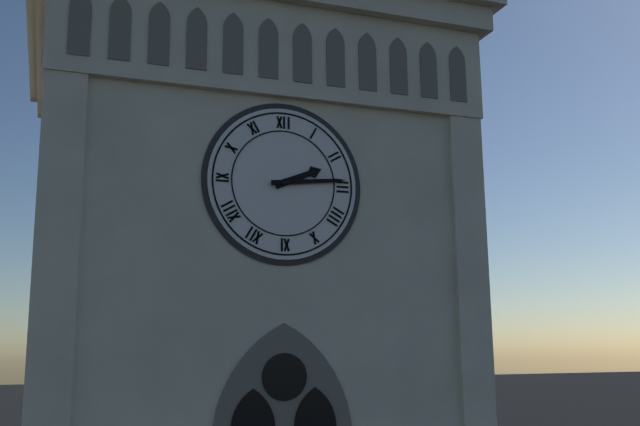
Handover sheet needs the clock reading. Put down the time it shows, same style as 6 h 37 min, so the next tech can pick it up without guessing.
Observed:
2 h 14 min
